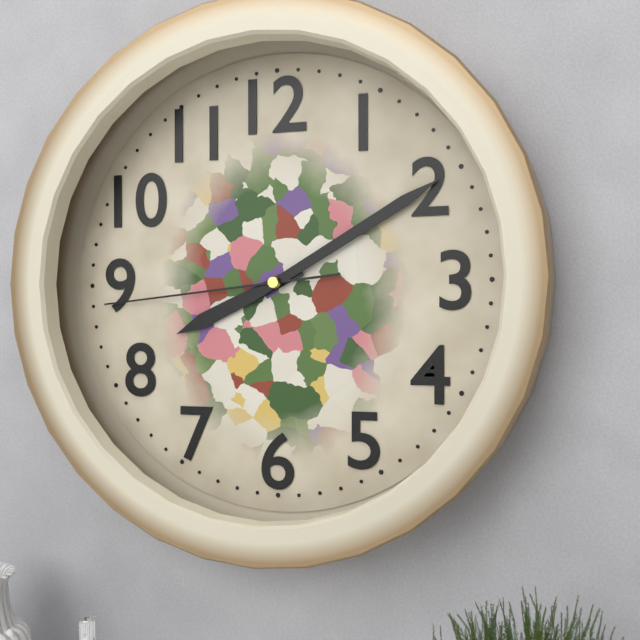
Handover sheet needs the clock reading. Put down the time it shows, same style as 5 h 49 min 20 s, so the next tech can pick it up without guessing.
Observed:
8 h 10 min 44 s
